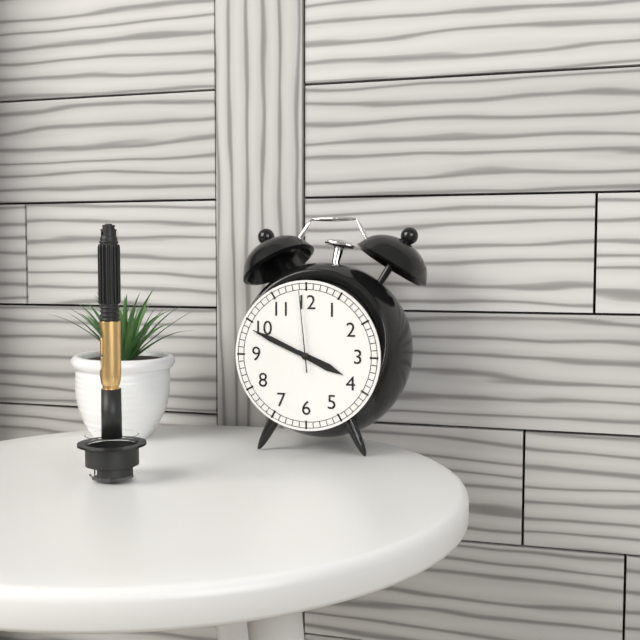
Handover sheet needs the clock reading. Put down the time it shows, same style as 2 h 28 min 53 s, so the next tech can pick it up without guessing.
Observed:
3 h 49 min 59 s
